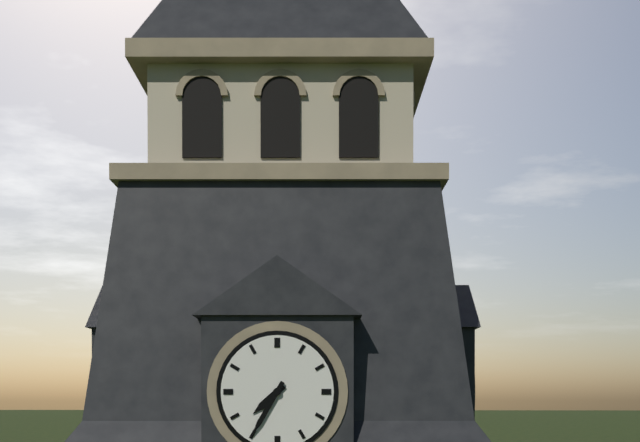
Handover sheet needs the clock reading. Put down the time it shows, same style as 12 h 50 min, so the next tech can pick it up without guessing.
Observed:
7 h 35 min
